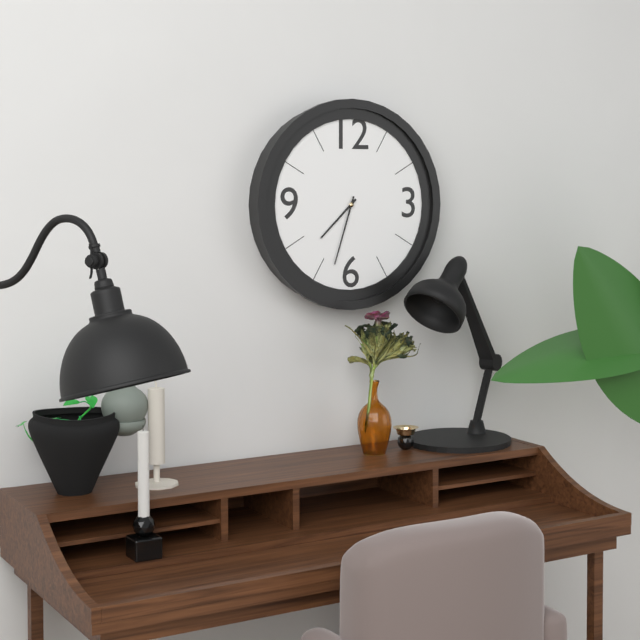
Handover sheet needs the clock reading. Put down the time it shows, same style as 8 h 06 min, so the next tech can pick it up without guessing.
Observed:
7 h 33 min
